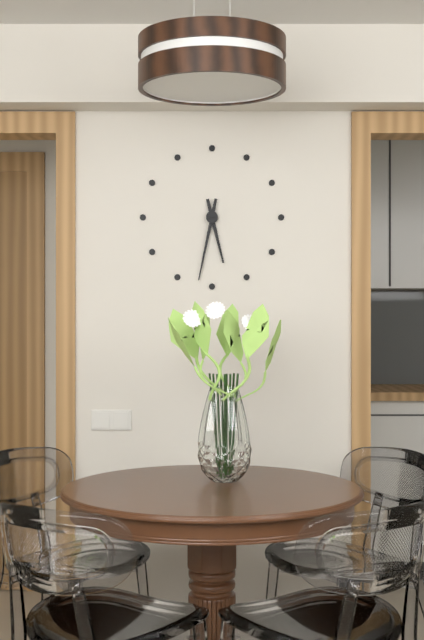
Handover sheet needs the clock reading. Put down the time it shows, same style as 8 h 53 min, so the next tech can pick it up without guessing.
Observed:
5 h 32 min
